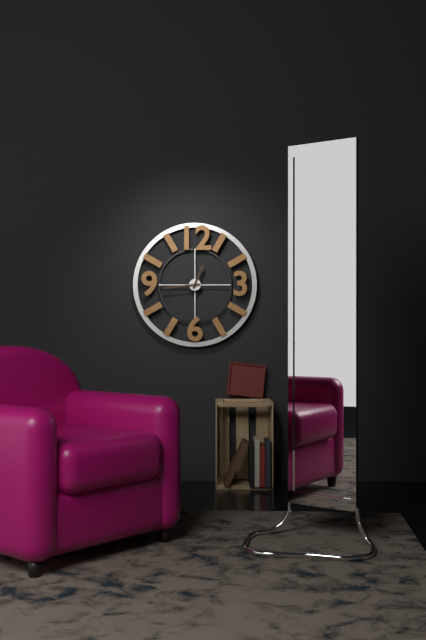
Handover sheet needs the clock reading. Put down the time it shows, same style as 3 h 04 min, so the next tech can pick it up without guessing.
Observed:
12 h 44 min
